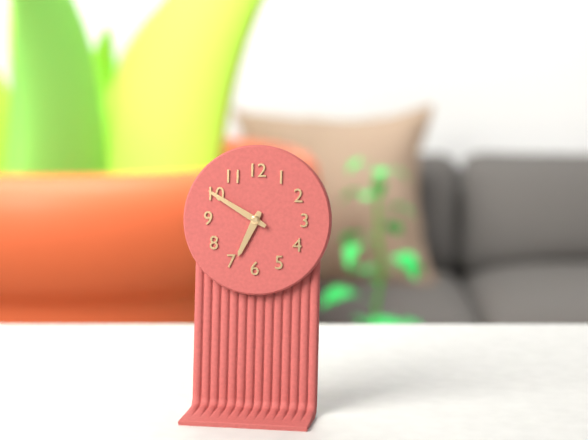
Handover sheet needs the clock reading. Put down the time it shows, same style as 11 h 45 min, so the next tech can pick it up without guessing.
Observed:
6 h 50 min
